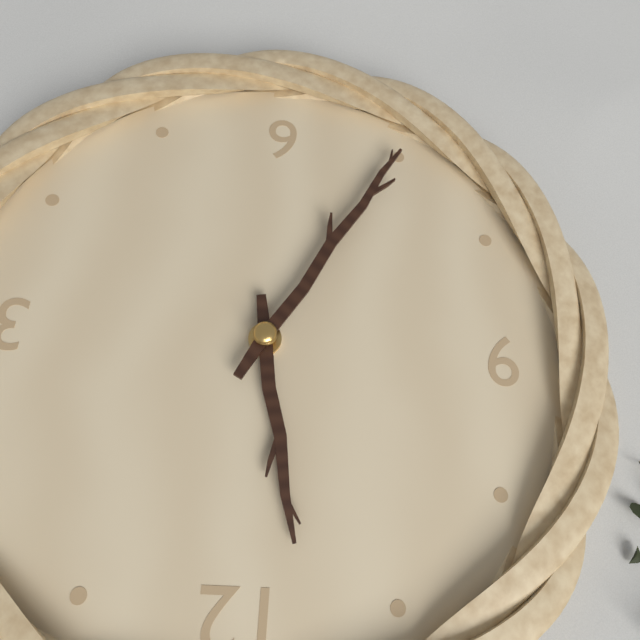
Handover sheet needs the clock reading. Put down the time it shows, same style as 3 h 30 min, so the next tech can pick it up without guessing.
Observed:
11 h 35 min
